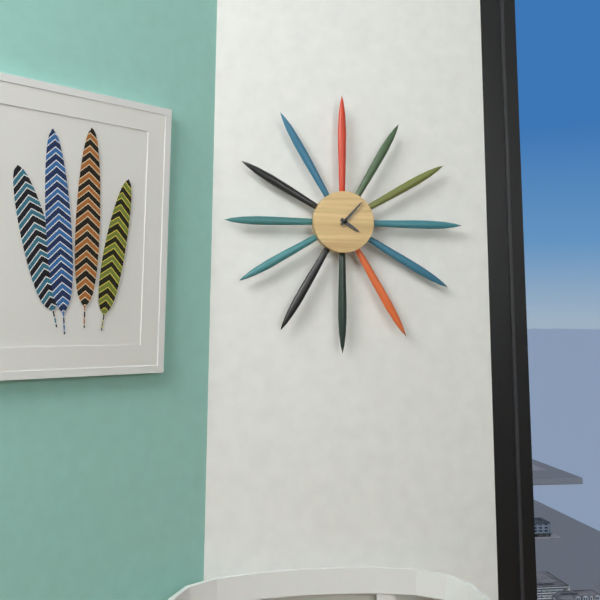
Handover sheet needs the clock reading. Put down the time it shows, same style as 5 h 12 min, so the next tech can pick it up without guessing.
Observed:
4 h 07 min
